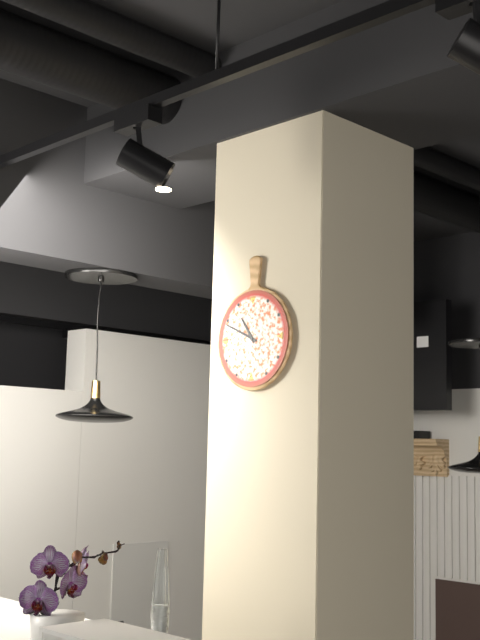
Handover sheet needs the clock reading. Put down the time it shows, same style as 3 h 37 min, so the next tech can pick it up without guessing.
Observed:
10 h 49 min
